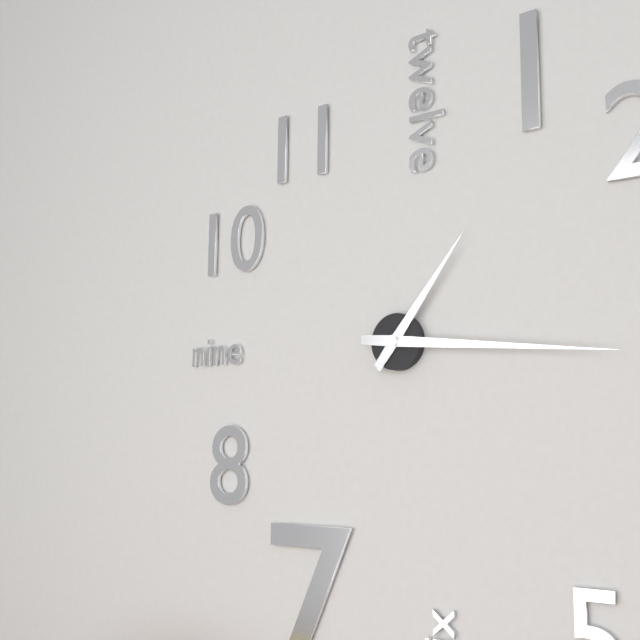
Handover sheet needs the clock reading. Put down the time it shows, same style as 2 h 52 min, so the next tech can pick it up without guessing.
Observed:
1 h 16 min
